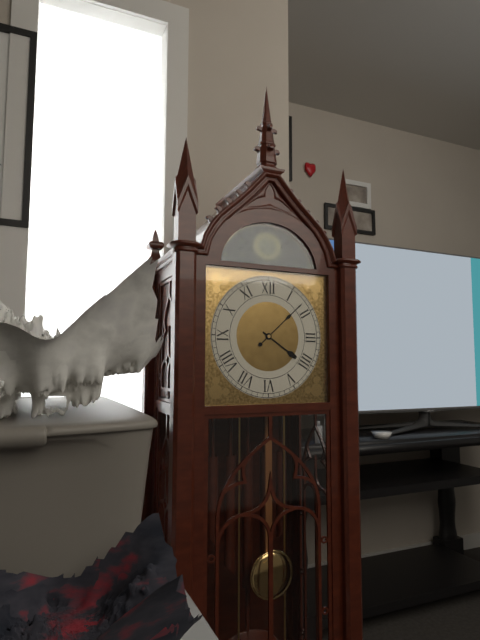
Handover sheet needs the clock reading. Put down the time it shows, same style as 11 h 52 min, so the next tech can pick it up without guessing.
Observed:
4 h 08 min
